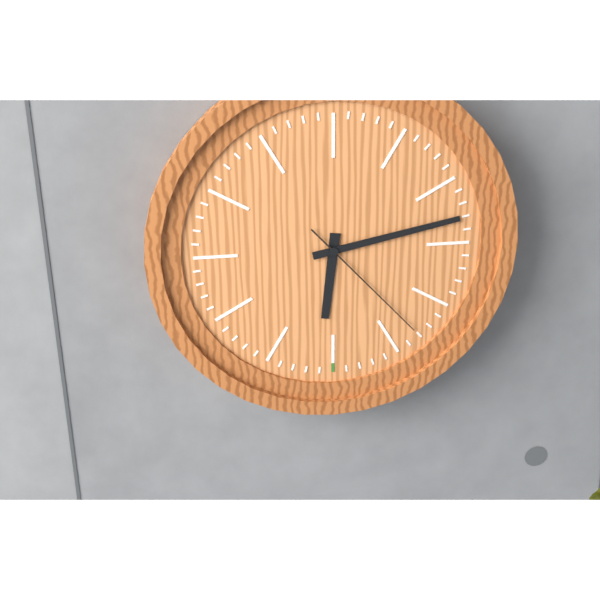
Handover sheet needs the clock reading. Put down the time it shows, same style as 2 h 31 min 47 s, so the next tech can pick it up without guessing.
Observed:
6 h 13 min 23 s
